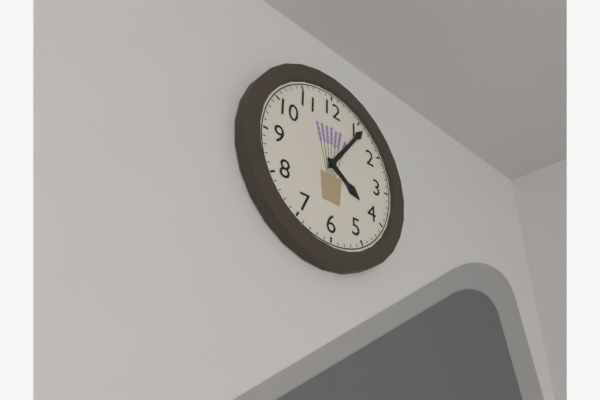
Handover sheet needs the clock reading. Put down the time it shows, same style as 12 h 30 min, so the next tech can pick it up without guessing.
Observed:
4 h 06 min
